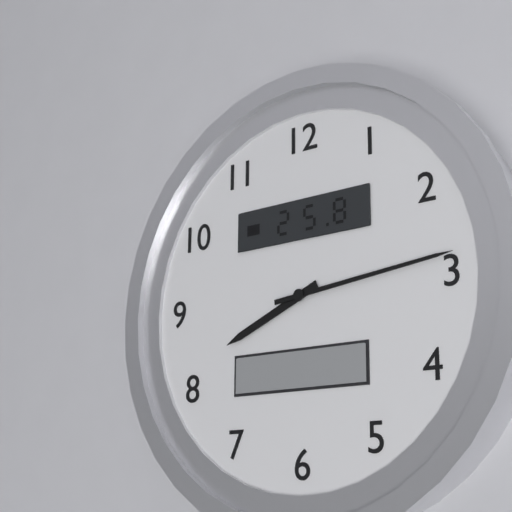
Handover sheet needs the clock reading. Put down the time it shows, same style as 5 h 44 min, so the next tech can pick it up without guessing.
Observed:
8 h 14 min
